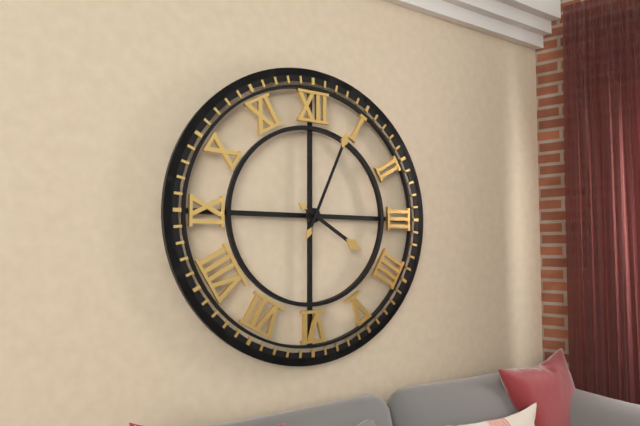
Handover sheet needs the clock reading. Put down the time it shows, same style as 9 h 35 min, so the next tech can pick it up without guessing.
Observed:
4 h 04 min
